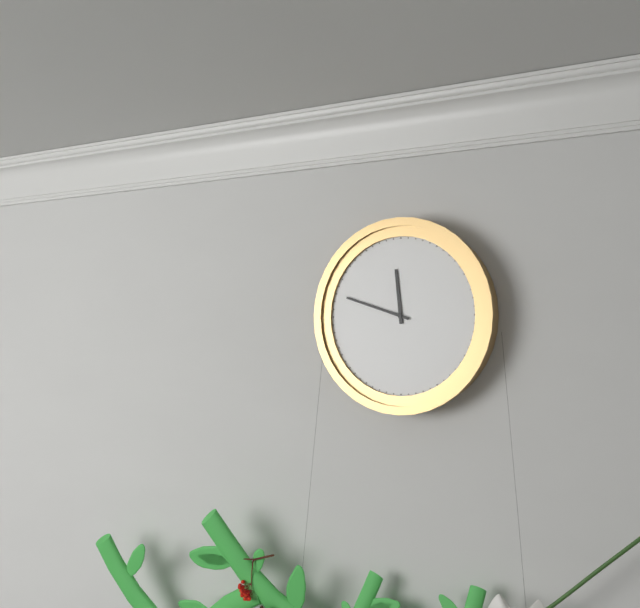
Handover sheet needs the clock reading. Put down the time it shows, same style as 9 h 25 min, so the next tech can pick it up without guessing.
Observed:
11 h 48 min
